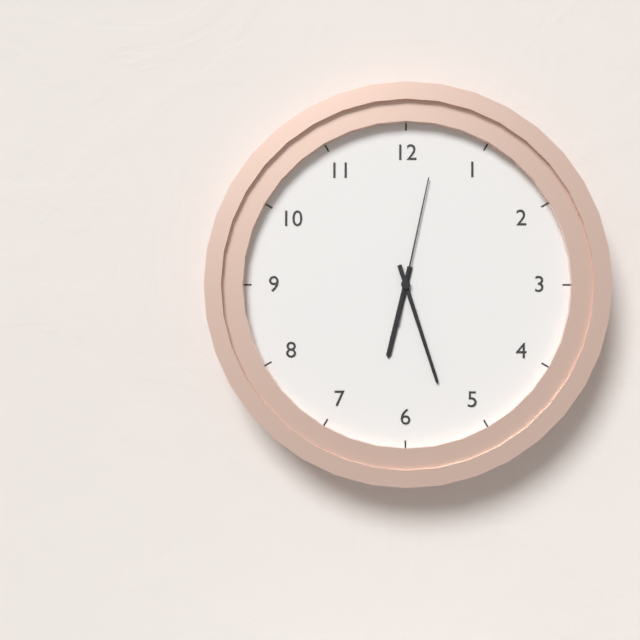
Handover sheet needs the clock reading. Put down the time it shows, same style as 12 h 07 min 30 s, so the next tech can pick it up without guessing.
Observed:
6 h 27 min 02 s
